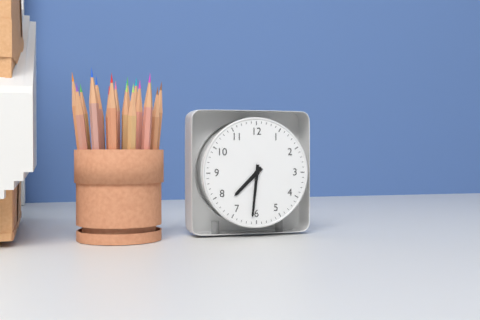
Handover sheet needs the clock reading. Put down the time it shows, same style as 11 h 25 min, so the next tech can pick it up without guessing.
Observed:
7 h 31 min
